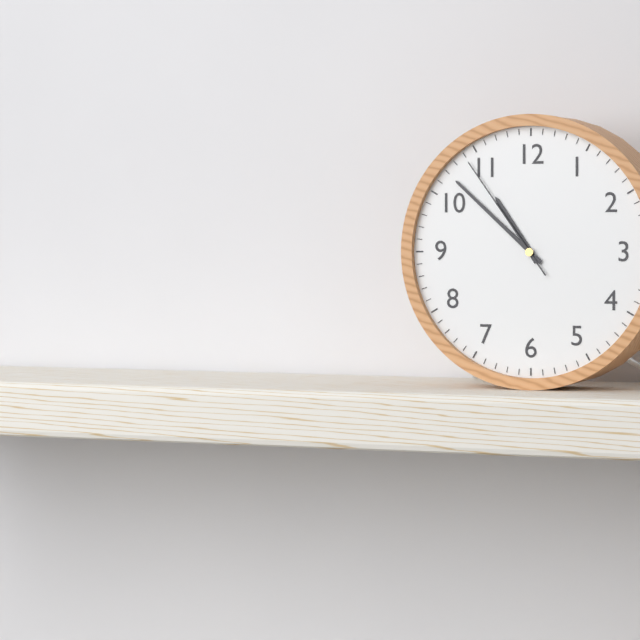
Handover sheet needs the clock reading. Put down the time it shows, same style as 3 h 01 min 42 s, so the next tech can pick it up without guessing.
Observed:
10 h 52 min 54 s
